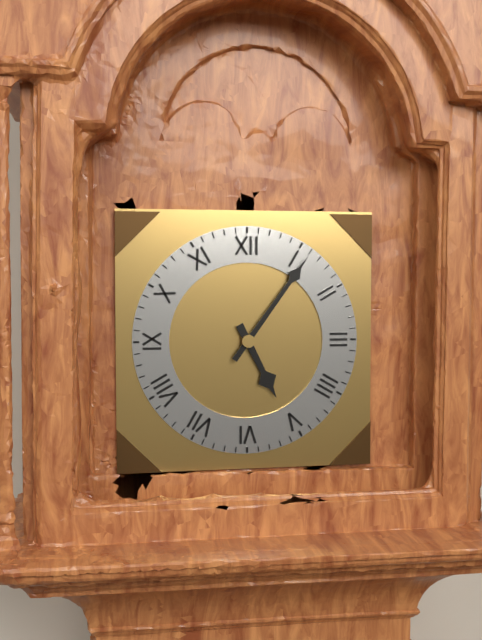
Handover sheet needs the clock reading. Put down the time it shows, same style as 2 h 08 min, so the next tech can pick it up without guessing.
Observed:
5 h 06 min
